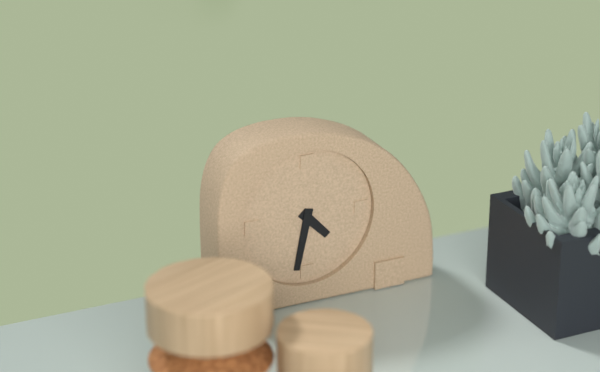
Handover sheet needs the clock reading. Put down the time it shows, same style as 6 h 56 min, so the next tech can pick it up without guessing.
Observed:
4 h 32 min
